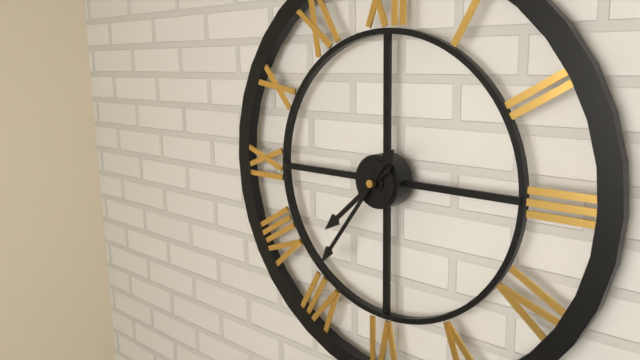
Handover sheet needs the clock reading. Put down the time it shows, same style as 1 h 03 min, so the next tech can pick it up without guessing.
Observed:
7 h 36 min
